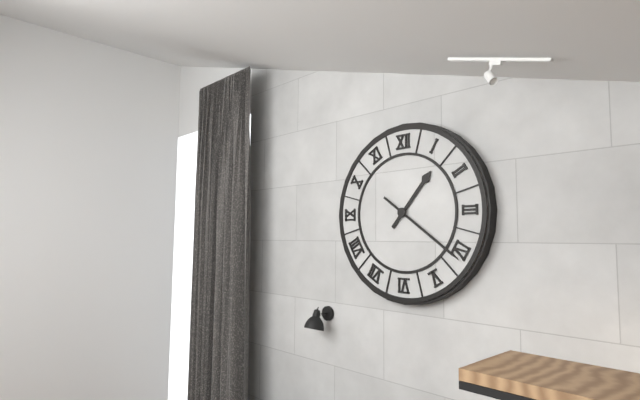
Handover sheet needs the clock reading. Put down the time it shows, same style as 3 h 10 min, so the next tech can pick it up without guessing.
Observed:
1 h 21 min
